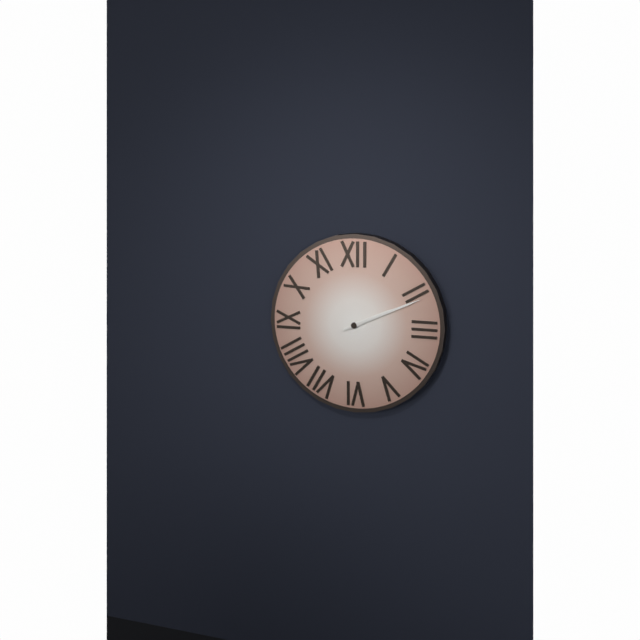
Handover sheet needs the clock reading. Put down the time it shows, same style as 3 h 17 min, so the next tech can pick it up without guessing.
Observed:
2 h 11 min
